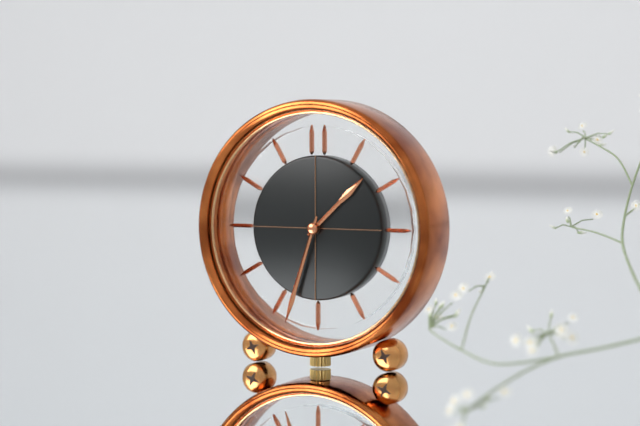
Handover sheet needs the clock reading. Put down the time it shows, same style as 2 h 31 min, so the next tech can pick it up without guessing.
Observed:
1 h 33 min
